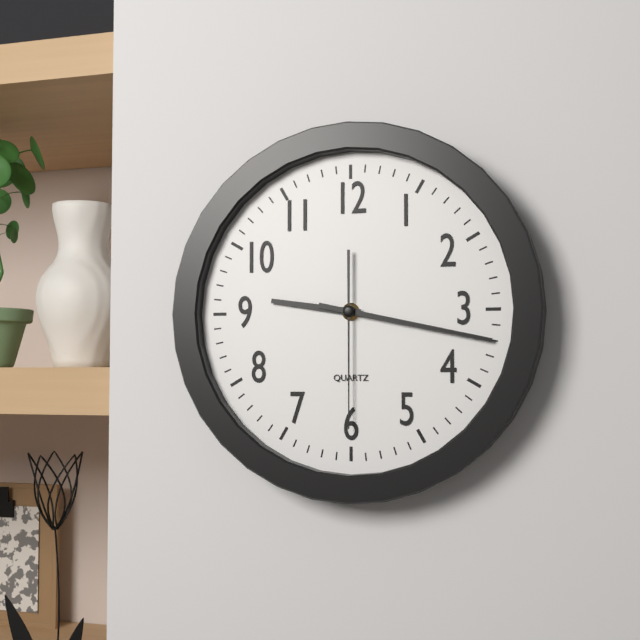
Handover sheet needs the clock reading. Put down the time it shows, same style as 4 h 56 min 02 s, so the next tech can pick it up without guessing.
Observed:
9 h 17 min 30 s
